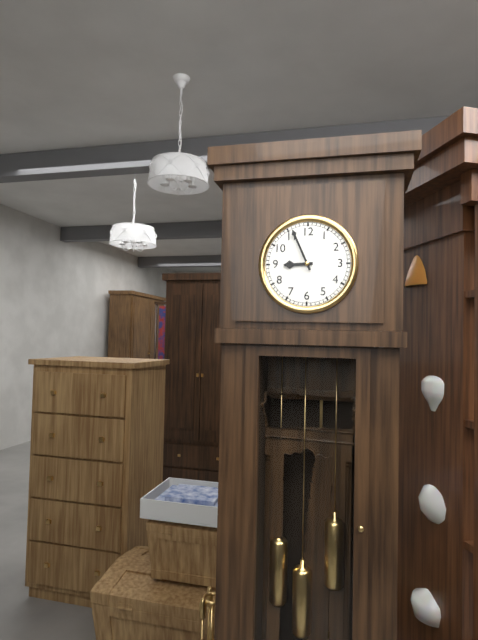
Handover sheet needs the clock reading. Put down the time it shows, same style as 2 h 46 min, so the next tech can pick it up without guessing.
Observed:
8 h 56 min
